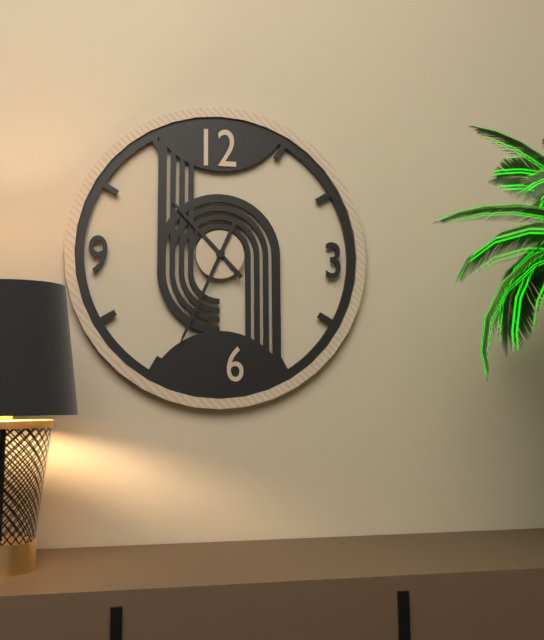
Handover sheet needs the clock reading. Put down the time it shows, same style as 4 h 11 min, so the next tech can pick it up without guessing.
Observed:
10 h 34 min
